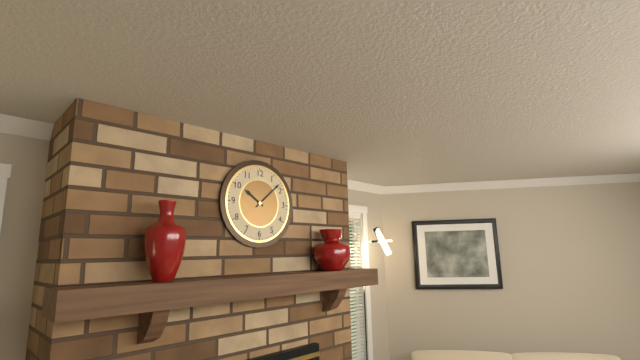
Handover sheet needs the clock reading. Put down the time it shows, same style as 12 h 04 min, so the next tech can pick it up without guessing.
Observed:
10 h 08 min
